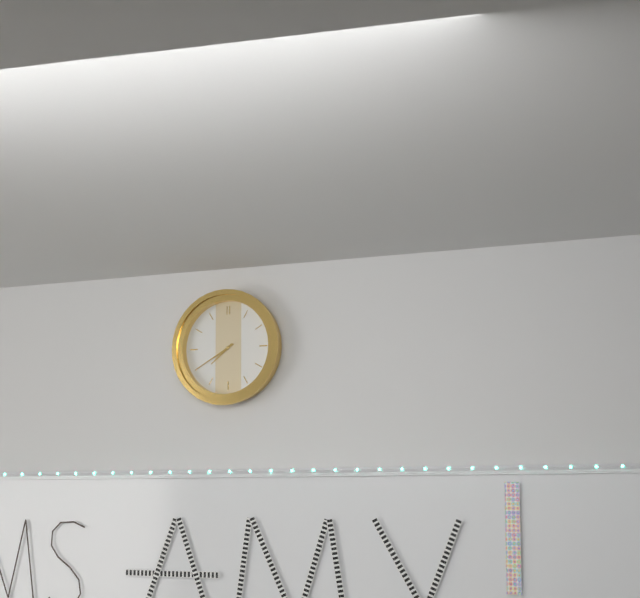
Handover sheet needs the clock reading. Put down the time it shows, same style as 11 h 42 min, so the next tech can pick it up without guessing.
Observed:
7 h 40 min
